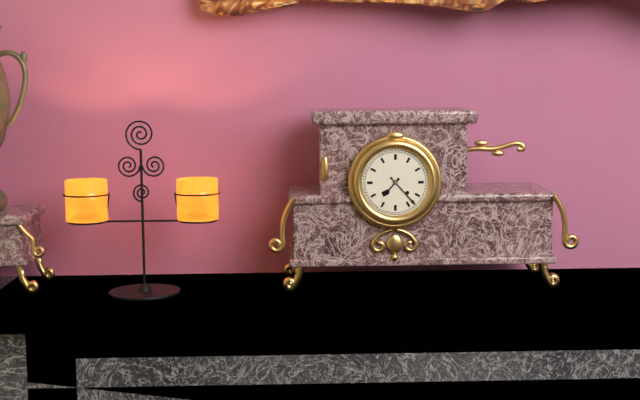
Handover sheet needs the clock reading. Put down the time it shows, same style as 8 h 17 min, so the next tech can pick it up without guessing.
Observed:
7 h 23 min
